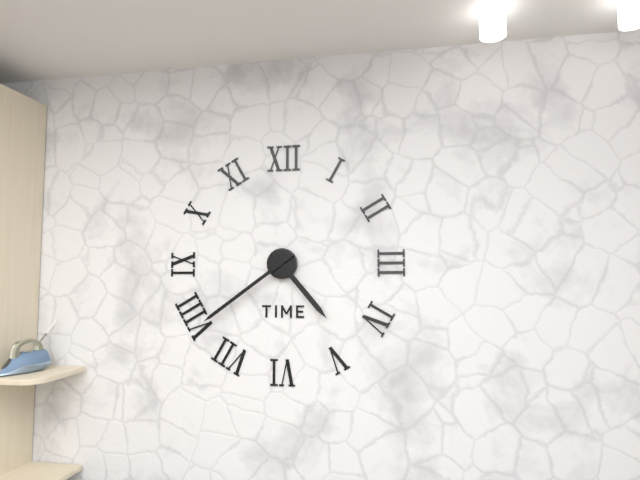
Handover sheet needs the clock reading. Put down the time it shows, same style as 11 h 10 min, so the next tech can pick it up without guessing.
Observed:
4 h 39 min
